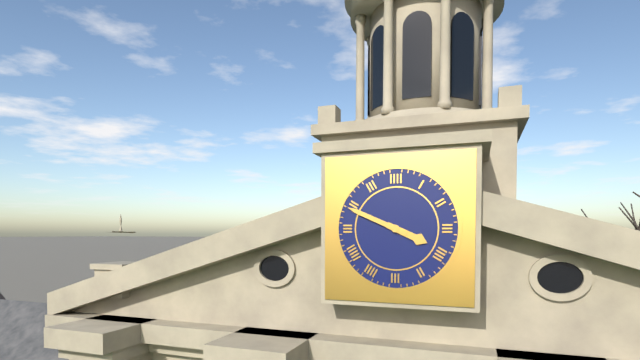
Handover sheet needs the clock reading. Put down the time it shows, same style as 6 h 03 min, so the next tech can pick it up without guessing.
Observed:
3 h 49 min
